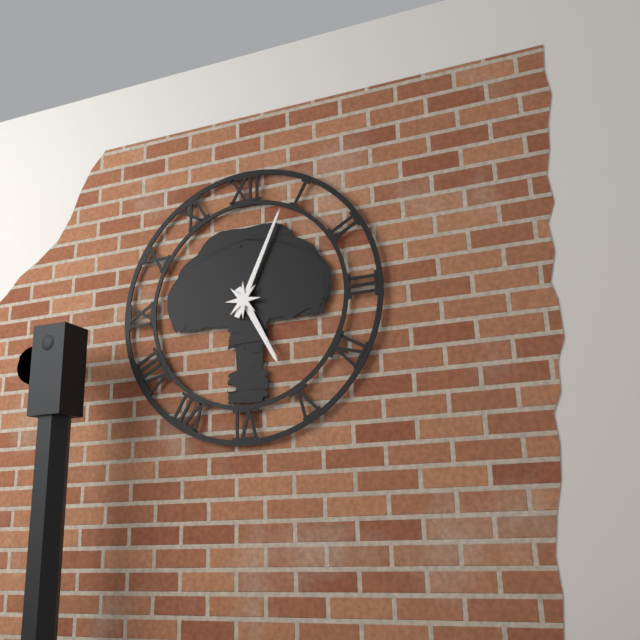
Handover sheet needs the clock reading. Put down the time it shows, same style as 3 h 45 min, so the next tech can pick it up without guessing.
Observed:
5 h 04 min
